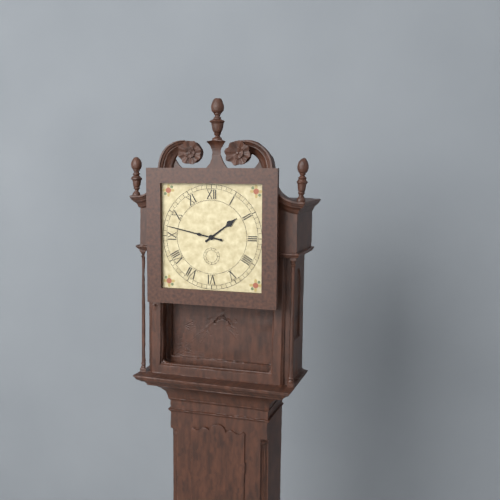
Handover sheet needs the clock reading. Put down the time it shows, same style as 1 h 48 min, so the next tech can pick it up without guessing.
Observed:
1 h 47 min
